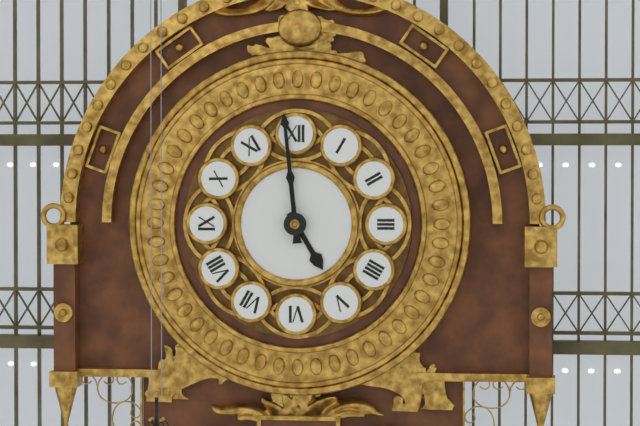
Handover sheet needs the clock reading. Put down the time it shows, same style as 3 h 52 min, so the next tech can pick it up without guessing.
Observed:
4 h 59 min
